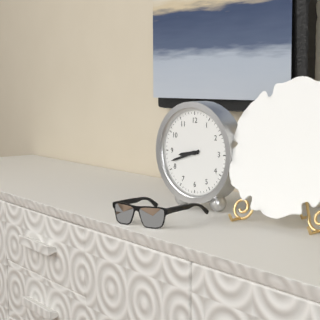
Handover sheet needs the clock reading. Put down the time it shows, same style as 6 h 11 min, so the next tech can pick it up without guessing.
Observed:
8 h 42 min
